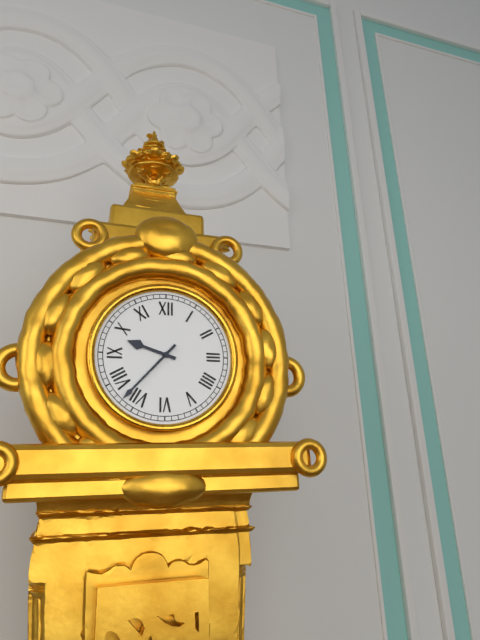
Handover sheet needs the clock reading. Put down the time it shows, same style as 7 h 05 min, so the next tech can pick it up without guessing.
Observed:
9 h 37 min
